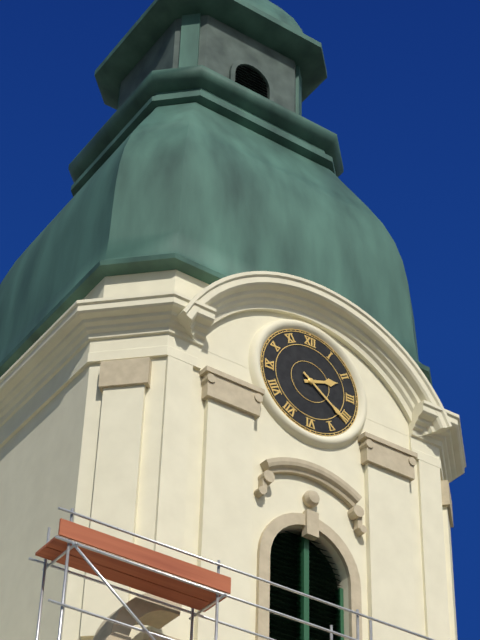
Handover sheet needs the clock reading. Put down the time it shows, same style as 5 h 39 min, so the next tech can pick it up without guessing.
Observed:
2 h 21 min
